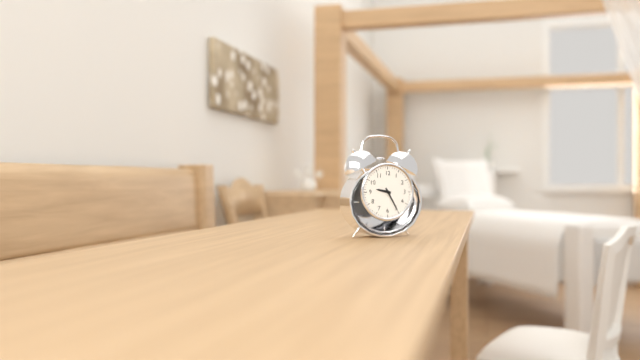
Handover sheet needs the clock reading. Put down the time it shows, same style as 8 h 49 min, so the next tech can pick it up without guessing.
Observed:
9 h 25 min
